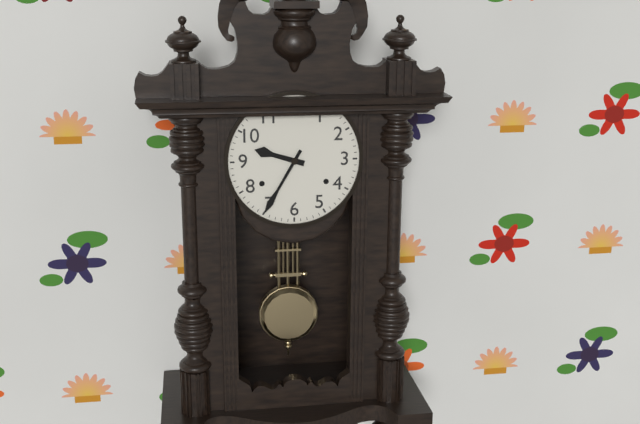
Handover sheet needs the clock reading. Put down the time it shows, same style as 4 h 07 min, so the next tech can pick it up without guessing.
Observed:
9 h 35 min
